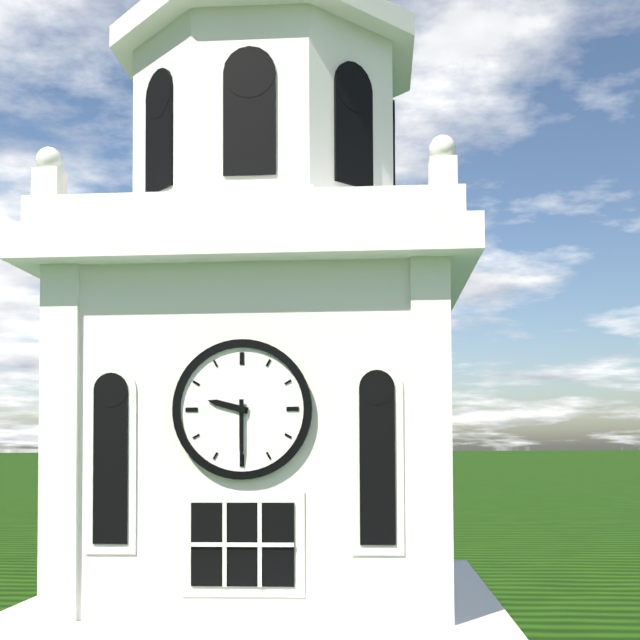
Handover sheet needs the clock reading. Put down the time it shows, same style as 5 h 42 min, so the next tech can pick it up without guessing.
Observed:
9 h 30 min
